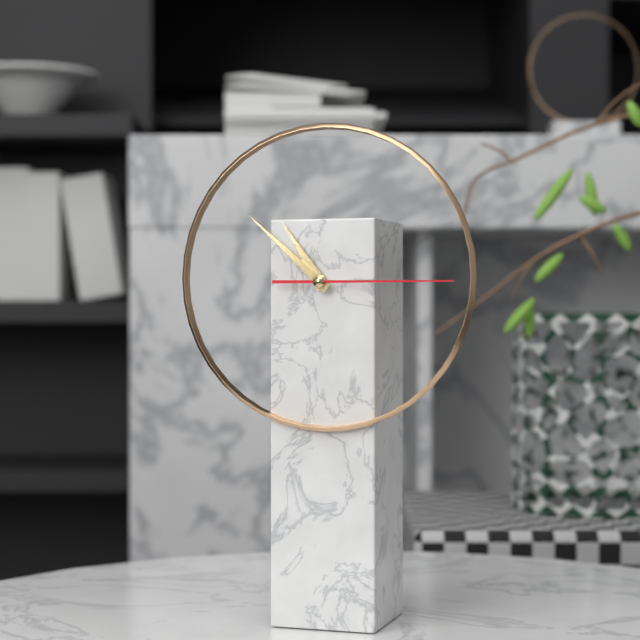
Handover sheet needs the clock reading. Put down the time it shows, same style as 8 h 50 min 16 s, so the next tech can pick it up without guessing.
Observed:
10 h 52 min 15 s
